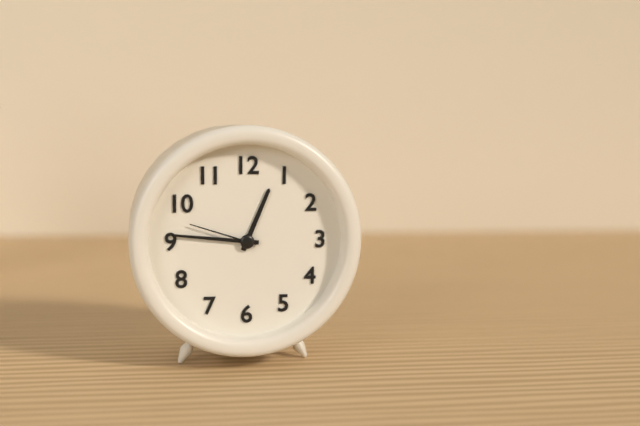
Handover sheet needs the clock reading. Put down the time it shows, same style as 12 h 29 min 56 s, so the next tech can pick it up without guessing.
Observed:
12 h 46 min 48 s
